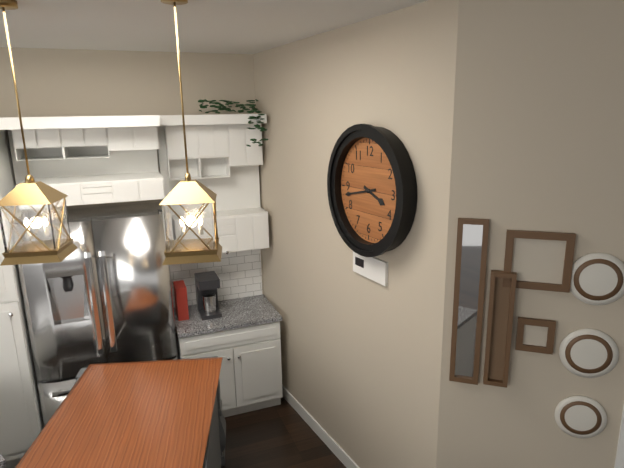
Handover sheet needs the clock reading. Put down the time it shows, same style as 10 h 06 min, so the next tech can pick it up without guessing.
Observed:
3 h 43 min
